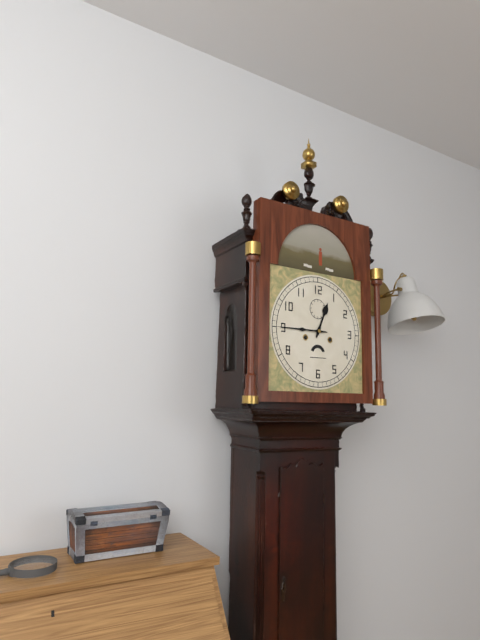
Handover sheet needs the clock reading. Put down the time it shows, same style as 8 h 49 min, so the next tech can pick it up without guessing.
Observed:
12 h 45 min
